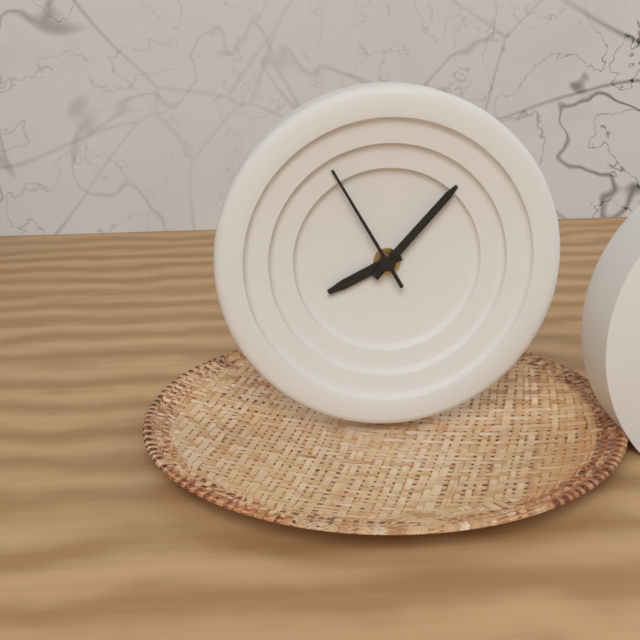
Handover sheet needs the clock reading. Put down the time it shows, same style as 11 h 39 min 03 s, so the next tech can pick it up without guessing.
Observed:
8 h 07 min 55 s
